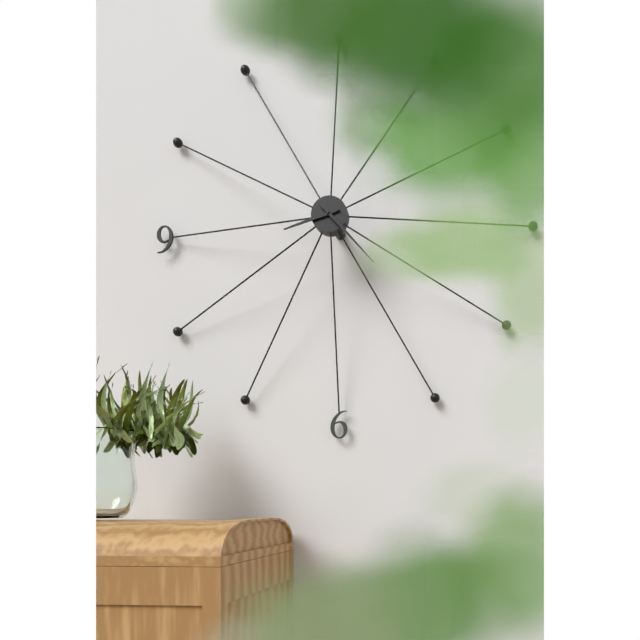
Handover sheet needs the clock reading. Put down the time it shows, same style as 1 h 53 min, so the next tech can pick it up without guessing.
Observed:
8 h 23 min
